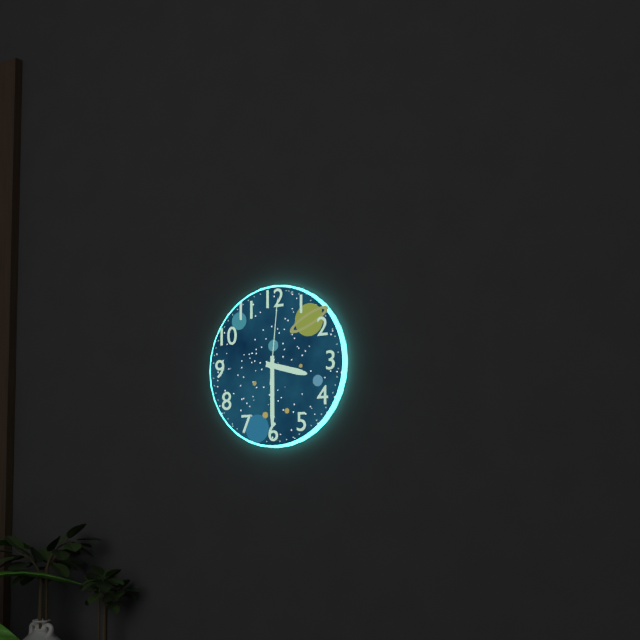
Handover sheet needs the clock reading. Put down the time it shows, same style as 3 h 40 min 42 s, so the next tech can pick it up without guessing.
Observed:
3 h 30 min 01 s
